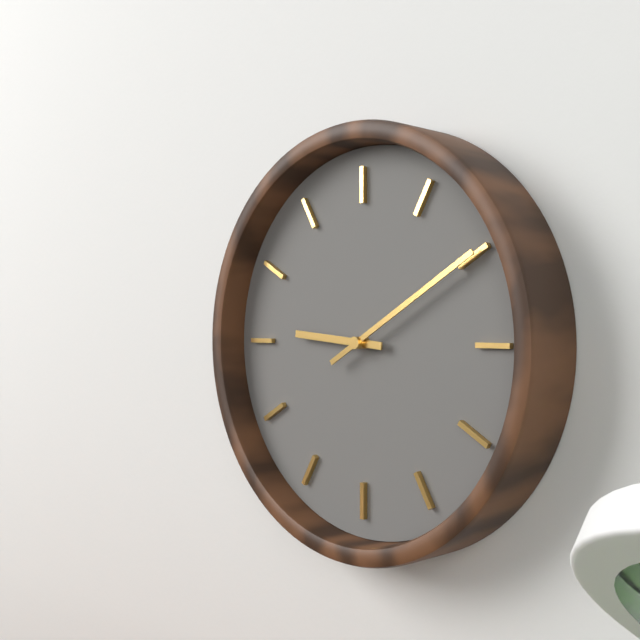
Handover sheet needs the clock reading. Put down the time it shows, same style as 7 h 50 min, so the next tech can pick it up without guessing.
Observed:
9 h 10 min
